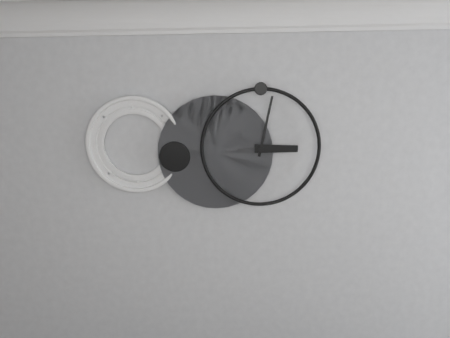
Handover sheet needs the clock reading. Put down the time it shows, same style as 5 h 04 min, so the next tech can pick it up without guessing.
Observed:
3 h 02 min
